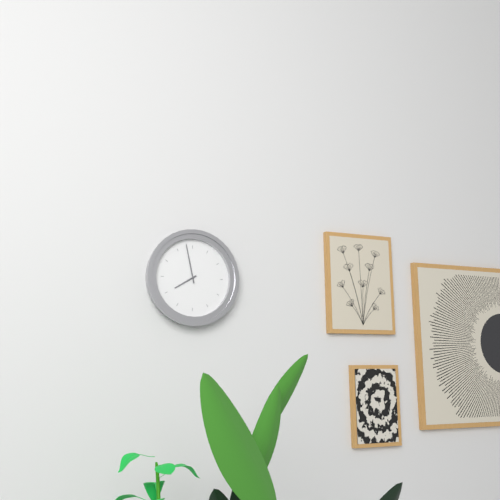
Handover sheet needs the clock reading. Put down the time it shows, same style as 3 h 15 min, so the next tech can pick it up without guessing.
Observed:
7 h 58 min
